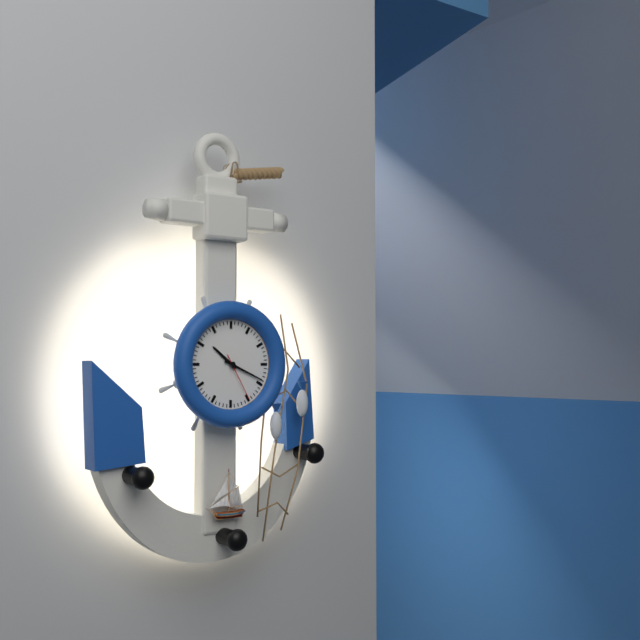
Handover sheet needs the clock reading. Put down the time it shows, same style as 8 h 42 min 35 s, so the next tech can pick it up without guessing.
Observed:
10 h 19 min 25 s
